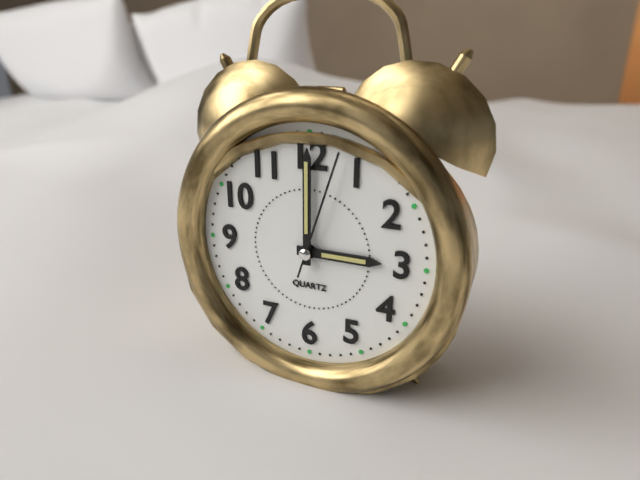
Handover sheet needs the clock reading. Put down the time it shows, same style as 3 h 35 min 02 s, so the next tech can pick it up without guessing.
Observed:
3 h 00 min 03 s
